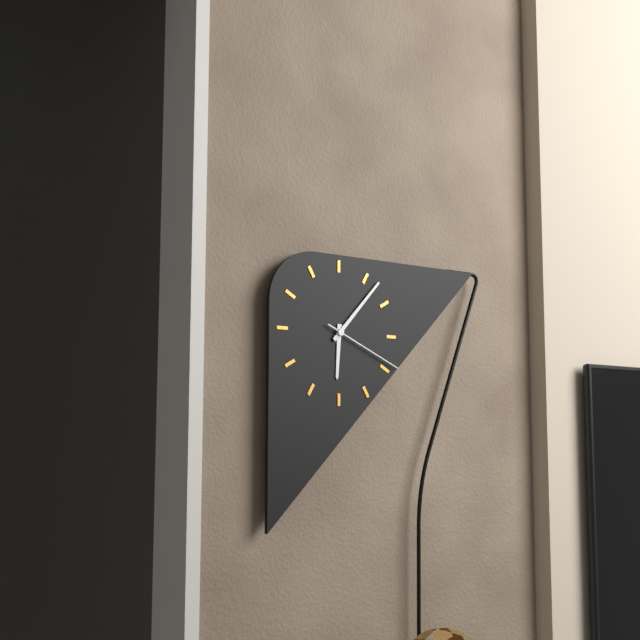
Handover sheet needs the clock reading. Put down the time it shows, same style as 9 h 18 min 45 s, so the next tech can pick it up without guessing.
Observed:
6 h 07 min 19 s
